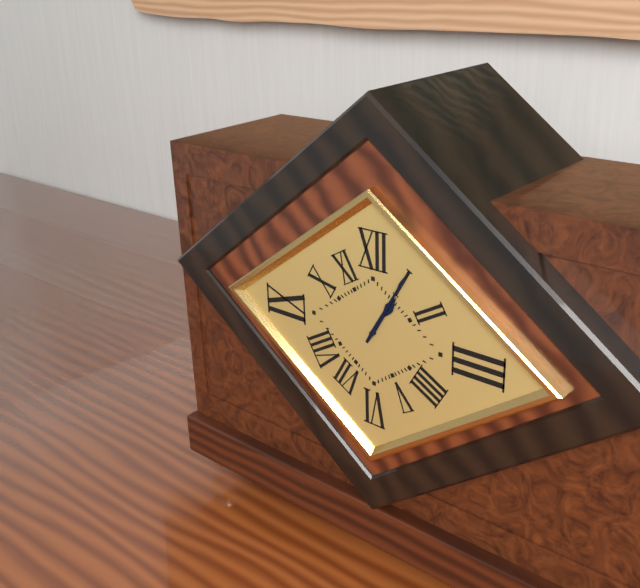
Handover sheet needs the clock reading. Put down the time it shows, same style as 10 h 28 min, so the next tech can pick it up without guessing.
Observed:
1 h 05 min
